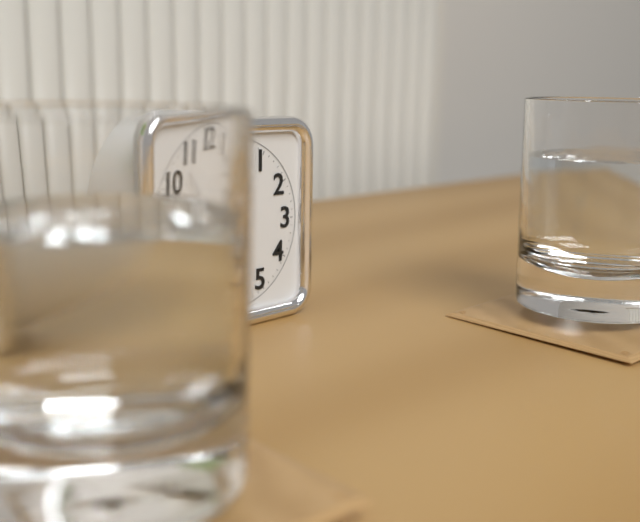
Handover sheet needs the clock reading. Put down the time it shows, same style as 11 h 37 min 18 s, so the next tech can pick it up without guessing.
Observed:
8 h 40 min 53 s
